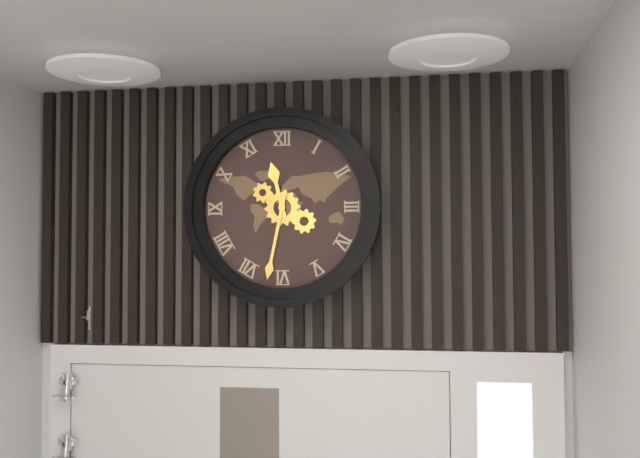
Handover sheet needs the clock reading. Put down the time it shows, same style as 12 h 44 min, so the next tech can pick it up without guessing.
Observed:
11 h 32 min
